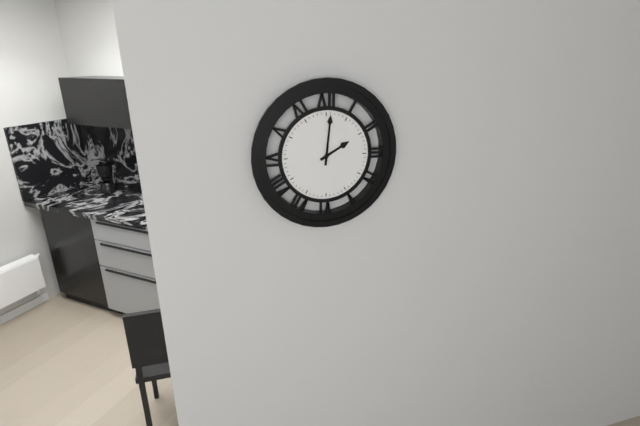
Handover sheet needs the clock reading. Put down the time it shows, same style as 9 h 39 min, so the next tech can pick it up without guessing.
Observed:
2 h 01 min
